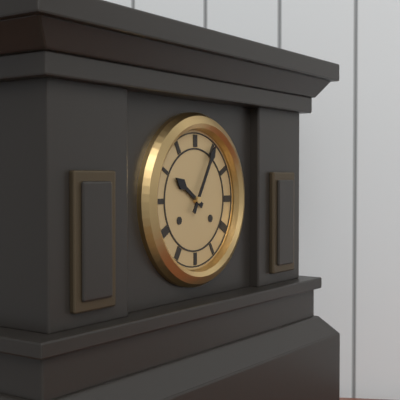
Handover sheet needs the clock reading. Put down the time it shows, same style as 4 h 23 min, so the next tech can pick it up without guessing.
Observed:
10 h 05 min
